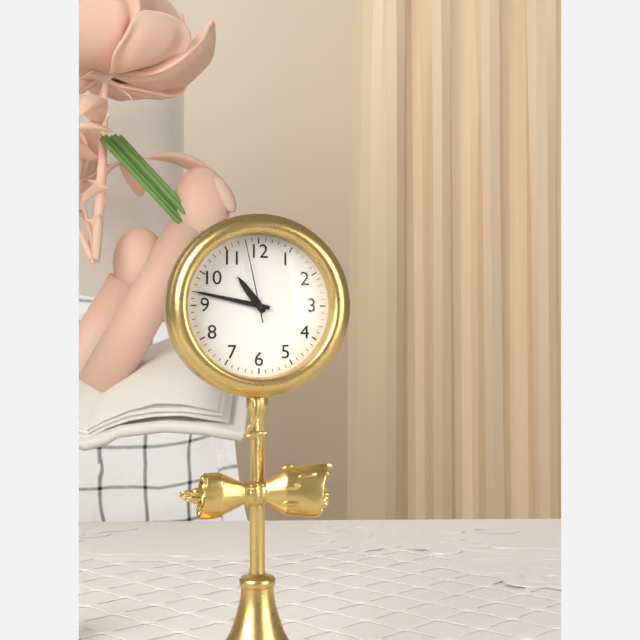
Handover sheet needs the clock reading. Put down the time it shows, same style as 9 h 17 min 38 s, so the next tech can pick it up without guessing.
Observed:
10 h 47 min 58 s
